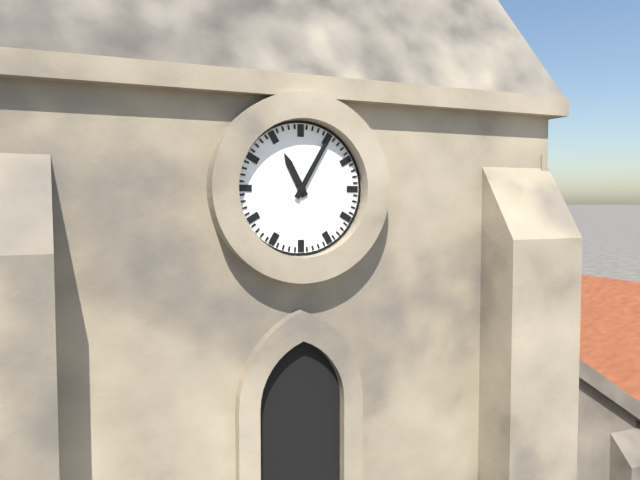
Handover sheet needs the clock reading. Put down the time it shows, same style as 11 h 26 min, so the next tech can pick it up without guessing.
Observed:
11 h 05 min
